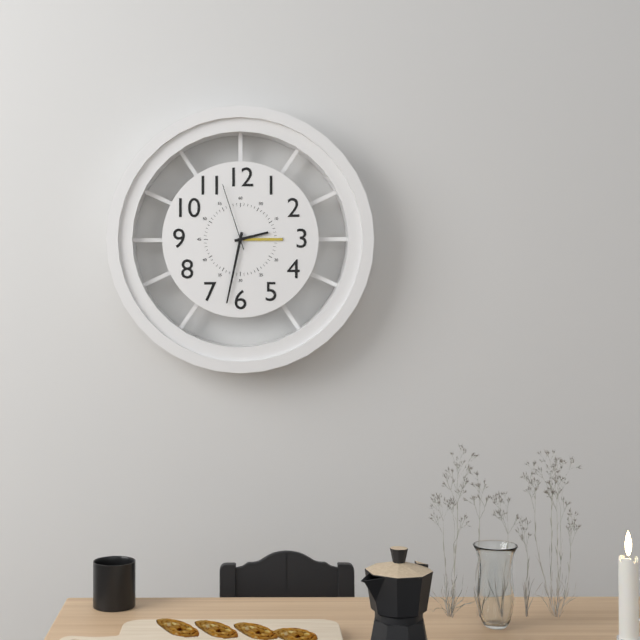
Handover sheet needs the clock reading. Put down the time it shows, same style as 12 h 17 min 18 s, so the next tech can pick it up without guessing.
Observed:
2 h 32 min 57 s
